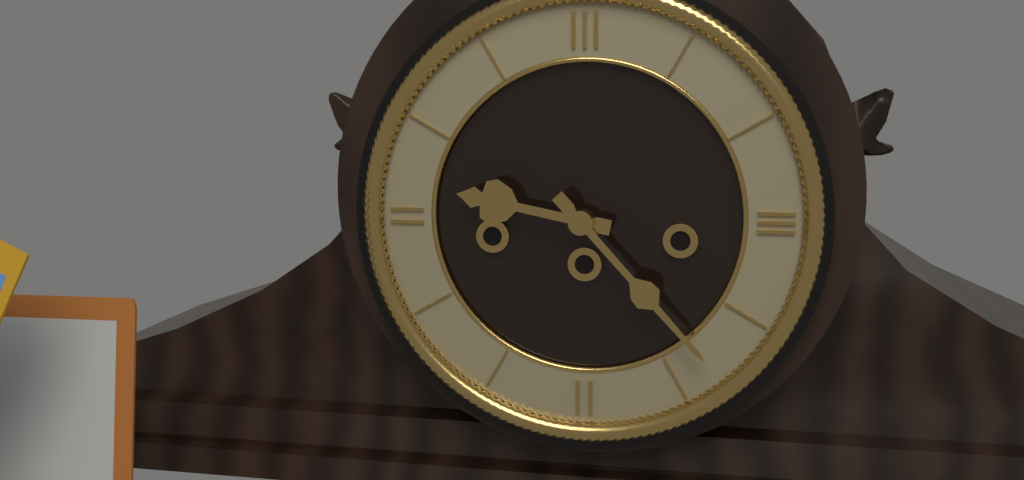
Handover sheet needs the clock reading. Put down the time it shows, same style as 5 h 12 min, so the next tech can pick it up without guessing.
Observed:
9 h 23 min
